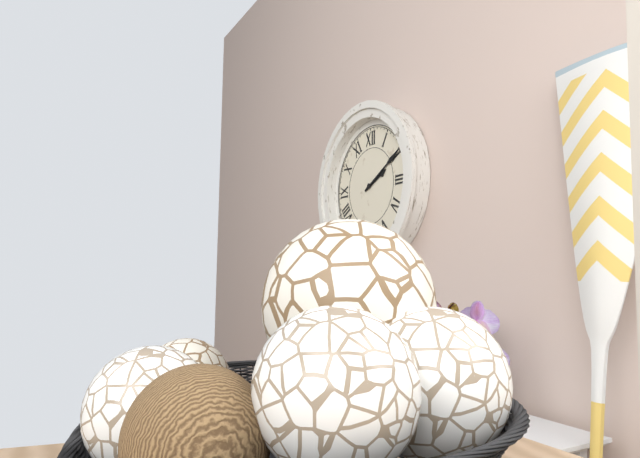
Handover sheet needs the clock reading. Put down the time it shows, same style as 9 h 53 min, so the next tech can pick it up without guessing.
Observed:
2 h 10 min
